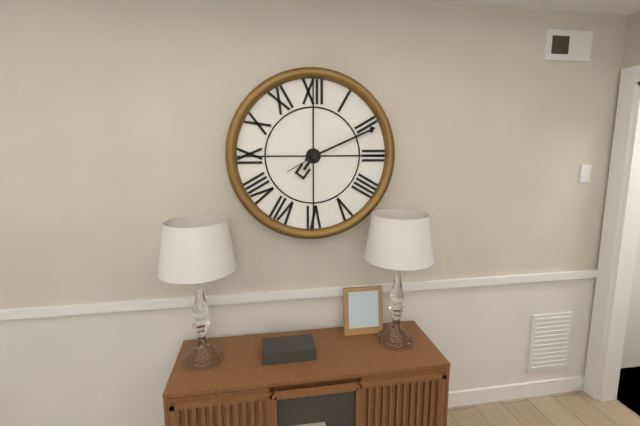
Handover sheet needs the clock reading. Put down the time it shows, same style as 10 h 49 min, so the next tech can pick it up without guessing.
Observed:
7 h 11 min
